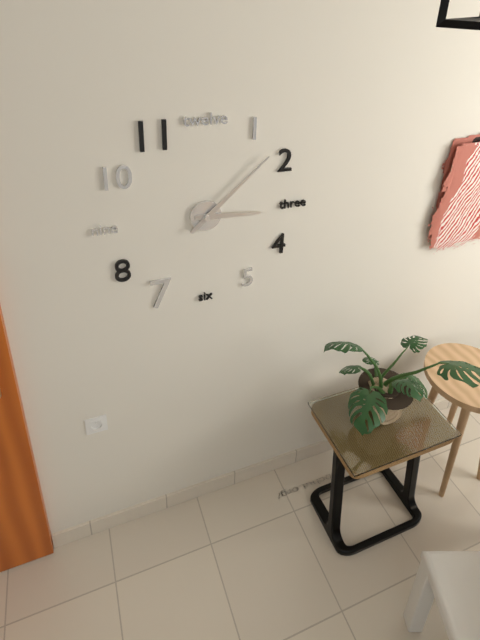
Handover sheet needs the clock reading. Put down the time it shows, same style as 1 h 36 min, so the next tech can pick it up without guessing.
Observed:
3 h 08 min
